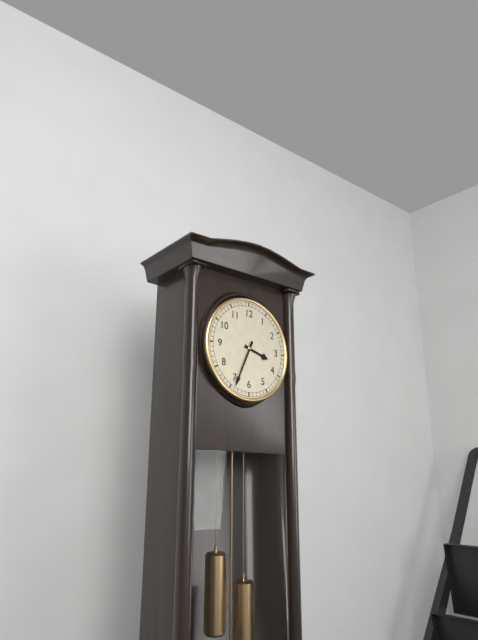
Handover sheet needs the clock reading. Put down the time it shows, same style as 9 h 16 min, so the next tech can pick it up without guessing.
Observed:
3 h 34 min
